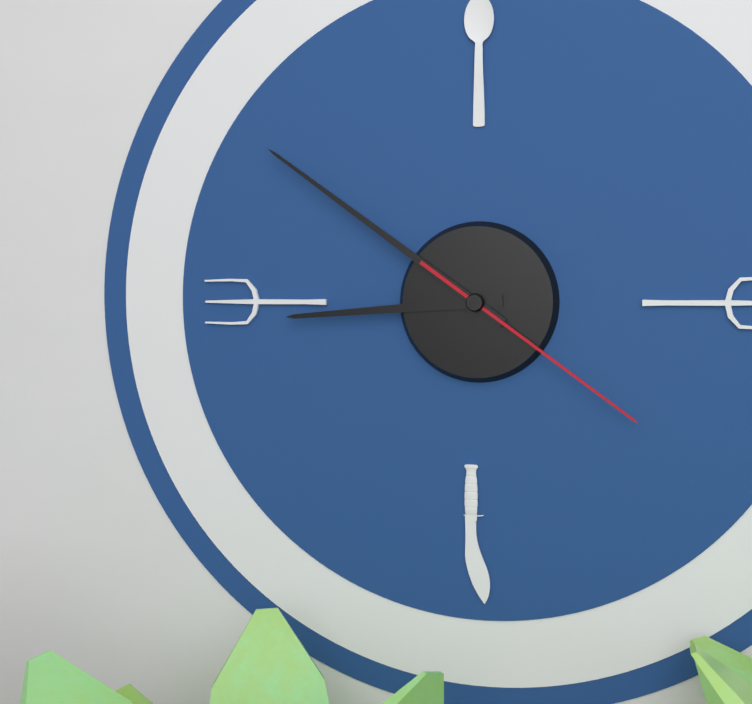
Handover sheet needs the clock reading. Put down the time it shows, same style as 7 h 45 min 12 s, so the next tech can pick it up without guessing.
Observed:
8 h 51 min 21 s
